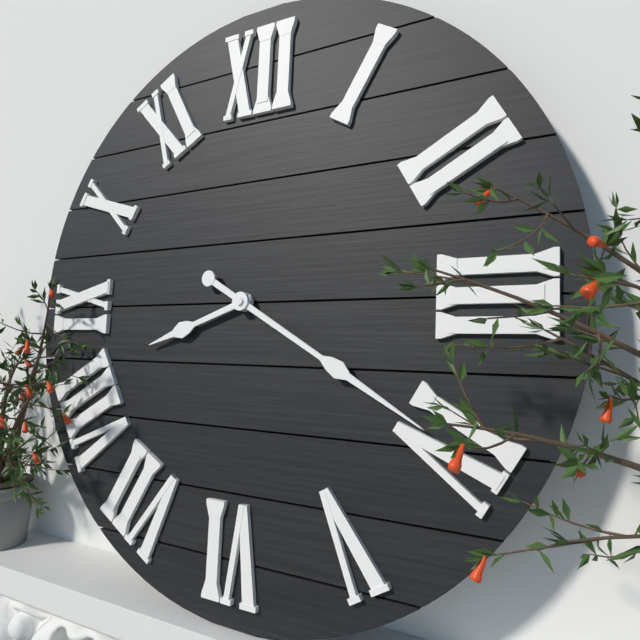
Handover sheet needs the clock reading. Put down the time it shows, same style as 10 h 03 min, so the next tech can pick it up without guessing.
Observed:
8 h 20 min
